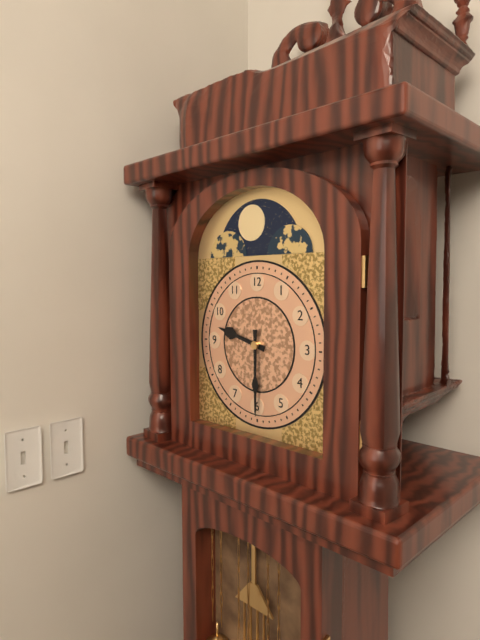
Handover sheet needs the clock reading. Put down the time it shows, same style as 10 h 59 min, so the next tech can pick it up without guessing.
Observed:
9 h 30 min
